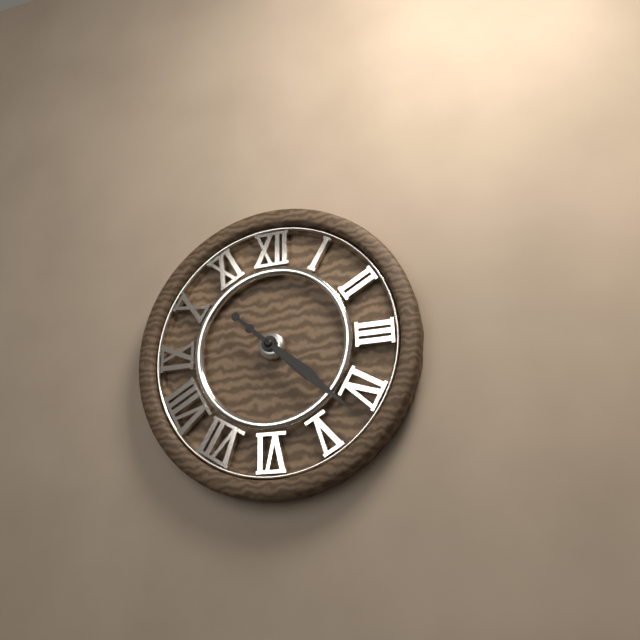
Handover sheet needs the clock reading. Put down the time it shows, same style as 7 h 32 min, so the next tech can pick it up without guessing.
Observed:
4 h 22 min
